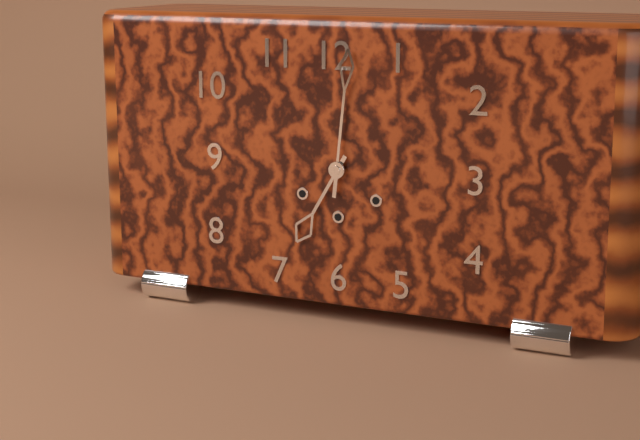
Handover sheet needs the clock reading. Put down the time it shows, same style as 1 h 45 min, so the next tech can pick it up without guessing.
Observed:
7 h 01 min
